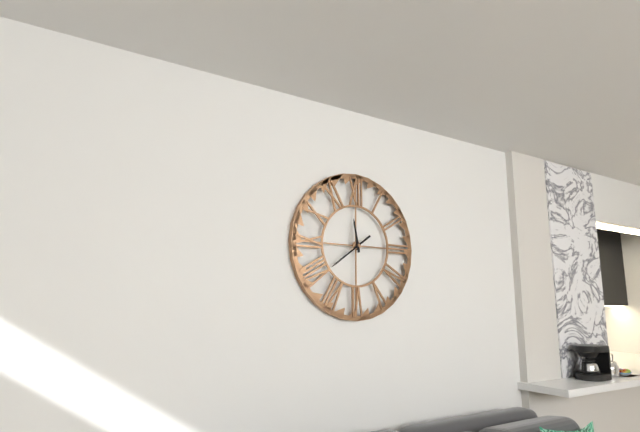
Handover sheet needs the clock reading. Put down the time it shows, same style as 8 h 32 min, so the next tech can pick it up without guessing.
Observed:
11 h 39 min
